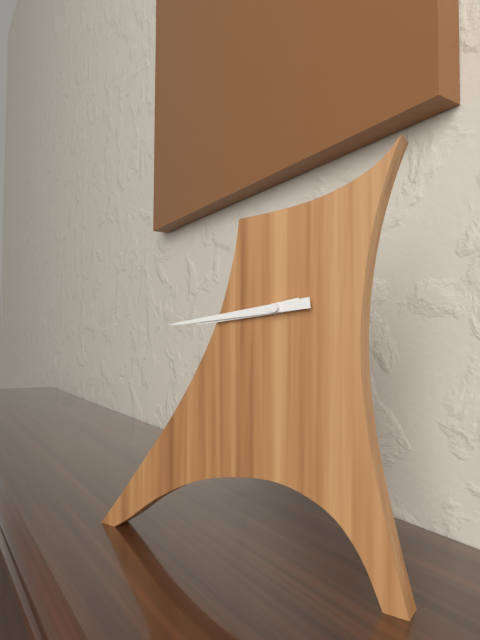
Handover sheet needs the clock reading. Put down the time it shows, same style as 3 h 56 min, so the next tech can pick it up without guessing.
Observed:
8 h 44 min
